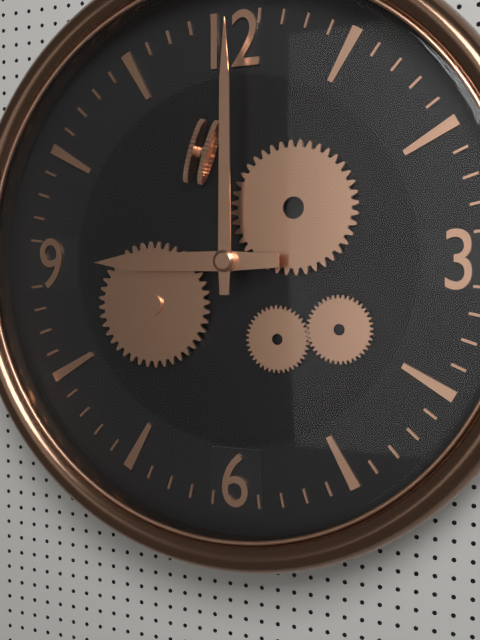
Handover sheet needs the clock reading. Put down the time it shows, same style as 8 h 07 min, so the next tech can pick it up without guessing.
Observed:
9 h 00 min
